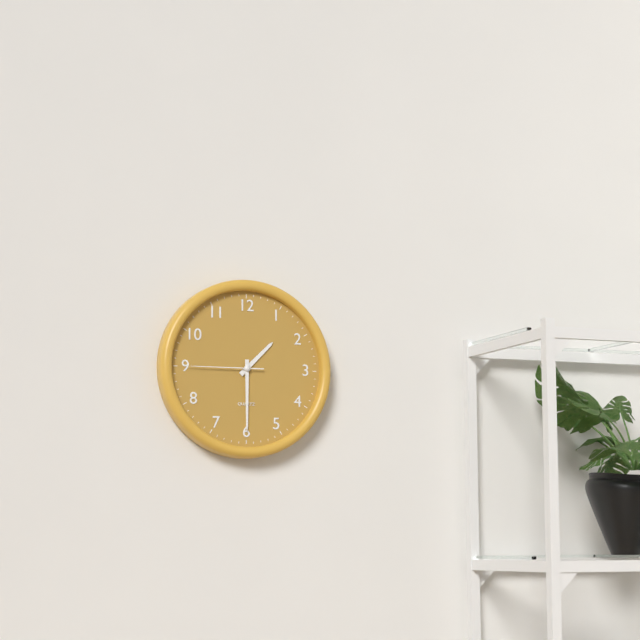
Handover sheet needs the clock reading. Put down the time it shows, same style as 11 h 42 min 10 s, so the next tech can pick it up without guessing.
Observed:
1 h 30 min 45 s
